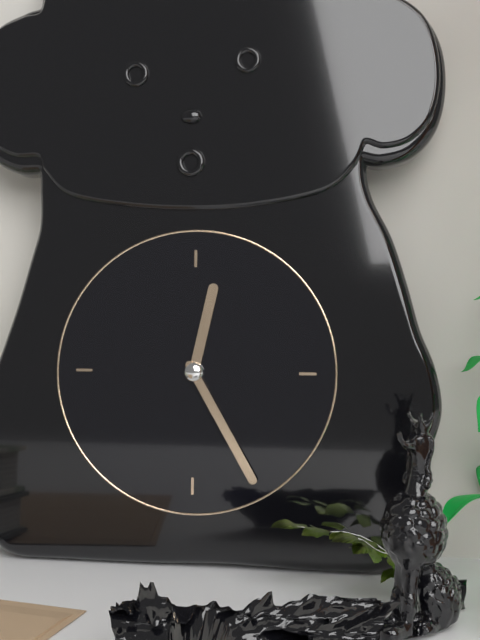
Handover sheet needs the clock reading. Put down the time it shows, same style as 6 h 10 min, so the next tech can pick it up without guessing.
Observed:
12 h 25 min
